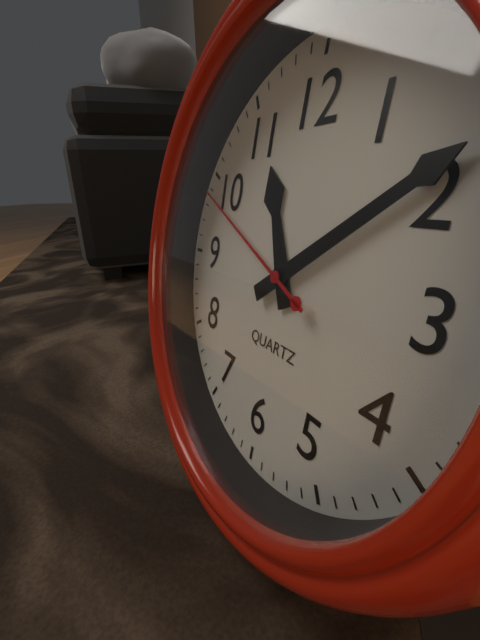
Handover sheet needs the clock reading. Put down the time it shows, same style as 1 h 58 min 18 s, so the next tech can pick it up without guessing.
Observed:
11 h 09 min 49 s
